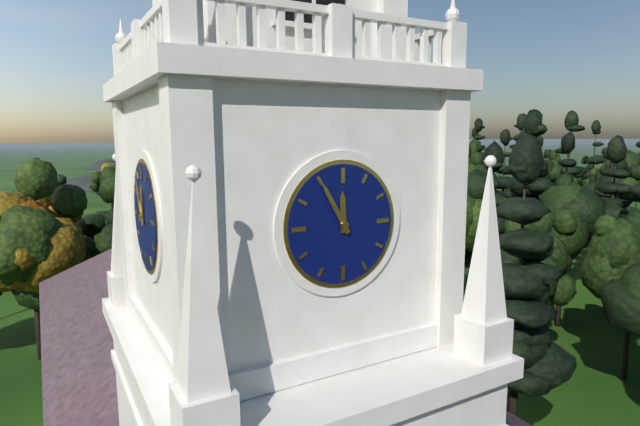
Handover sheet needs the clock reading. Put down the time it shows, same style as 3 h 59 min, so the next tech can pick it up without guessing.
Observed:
11 h 55 min
